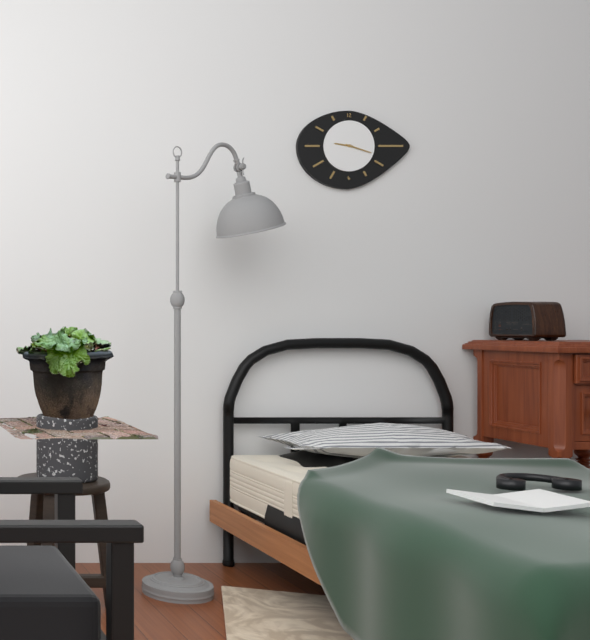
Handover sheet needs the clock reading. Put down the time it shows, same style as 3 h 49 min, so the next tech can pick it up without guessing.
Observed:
9 h 18 min
